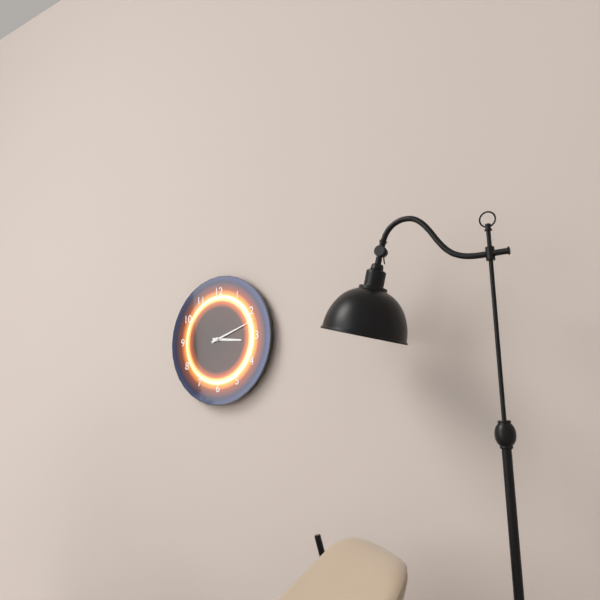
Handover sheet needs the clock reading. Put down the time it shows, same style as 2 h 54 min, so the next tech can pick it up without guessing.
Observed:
3 h 12 min
